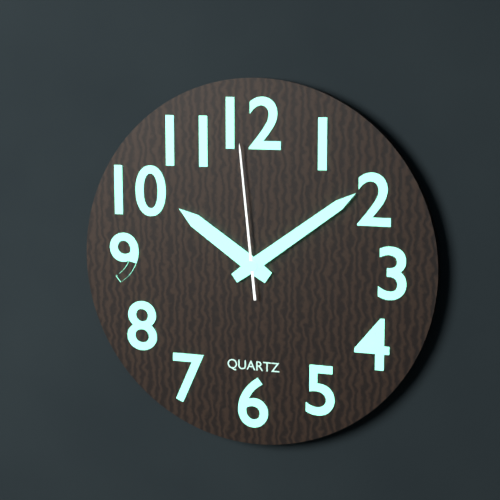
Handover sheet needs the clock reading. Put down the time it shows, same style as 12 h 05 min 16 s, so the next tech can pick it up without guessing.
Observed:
10 h 09 min 59 s
